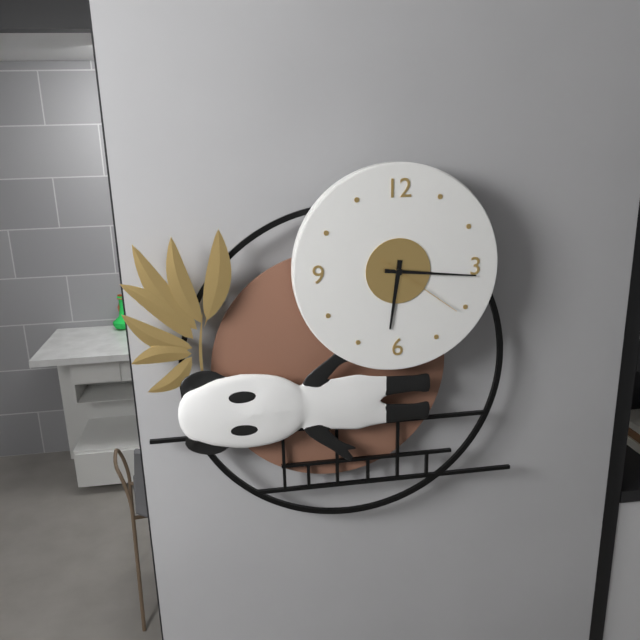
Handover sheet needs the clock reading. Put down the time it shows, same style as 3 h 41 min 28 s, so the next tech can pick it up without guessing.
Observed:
6 h 16 min 21 s
